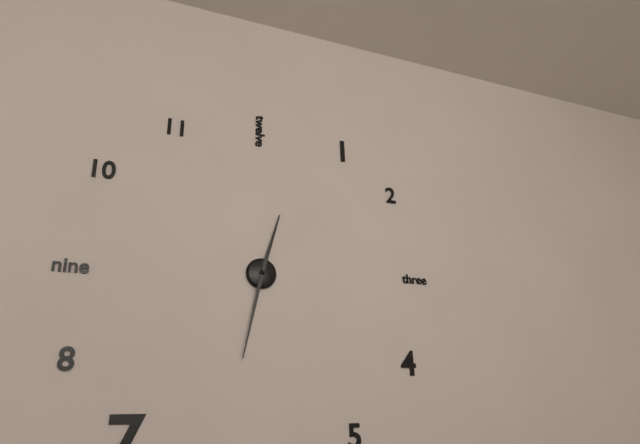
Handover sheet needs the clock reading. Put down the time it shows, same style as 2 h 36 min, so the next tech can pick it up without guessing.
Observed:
12 h 32 min
